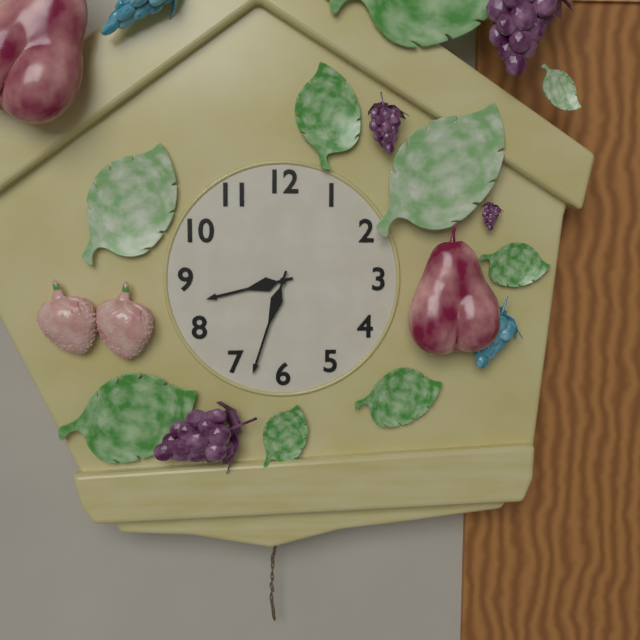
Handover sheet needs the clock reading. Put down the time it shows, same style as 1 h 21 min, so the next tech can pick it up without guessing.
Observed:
8 h 33 min
